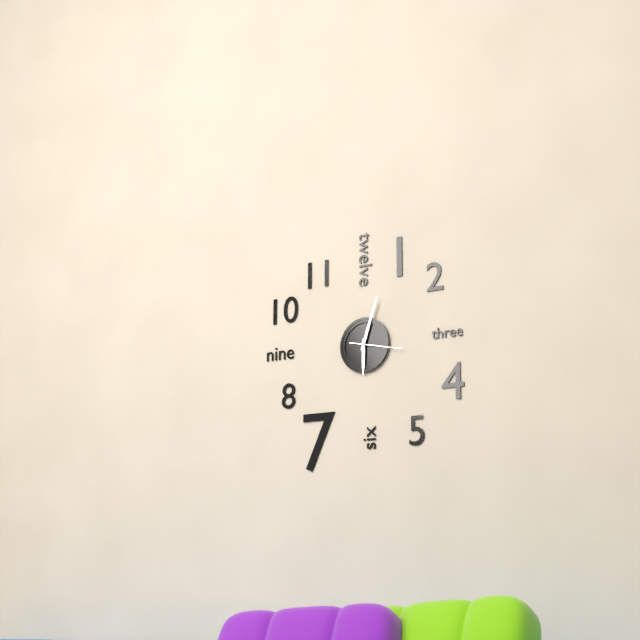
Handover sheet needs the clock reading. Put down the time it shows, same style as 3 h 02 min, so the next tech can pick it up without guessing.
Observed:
6 h 03 min
